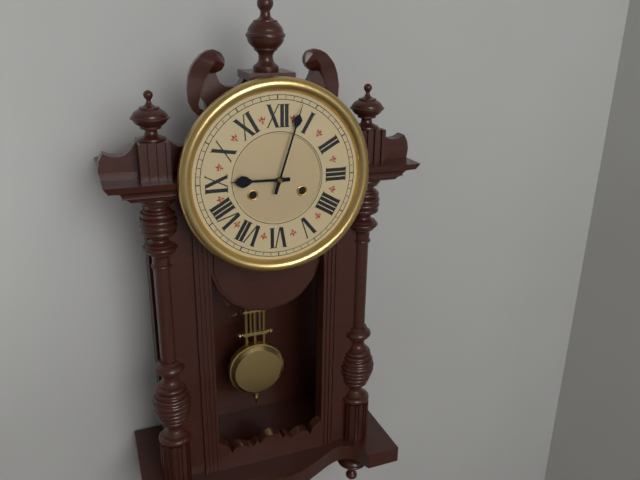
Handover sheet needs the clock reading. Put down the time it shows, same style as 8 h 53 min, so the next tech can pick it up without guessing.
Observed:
9 h 03 min
